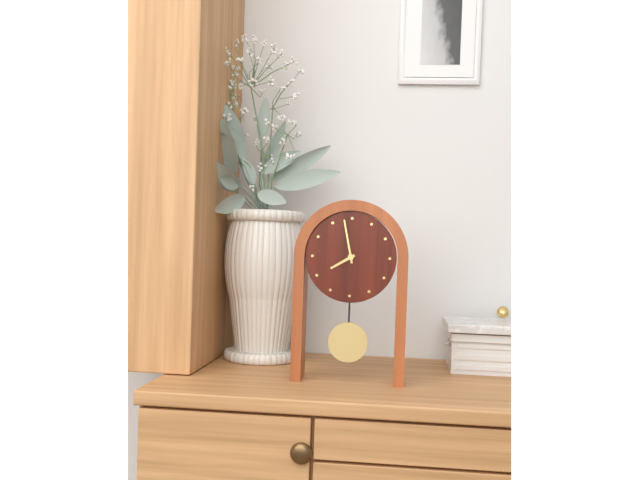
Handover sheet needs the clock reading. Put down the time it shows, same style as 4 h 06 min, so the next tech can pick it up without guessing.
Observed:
7 h 58 min
